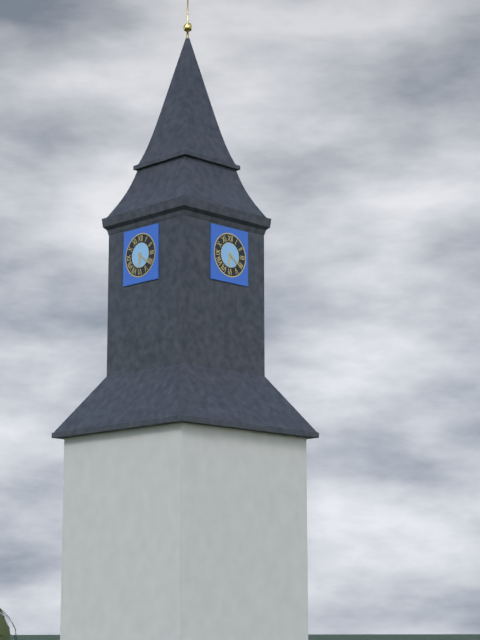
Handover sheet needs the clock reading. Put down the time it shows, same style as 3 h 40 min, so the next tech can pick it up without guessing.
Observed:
6 h 21 min
